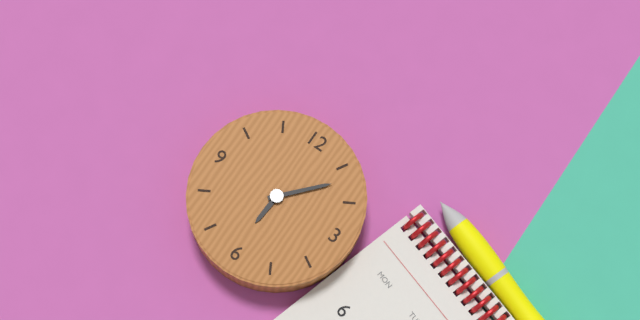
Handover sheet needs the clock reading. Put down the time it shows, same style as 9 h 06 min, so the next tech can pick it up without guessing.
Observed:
6 h 07 min
